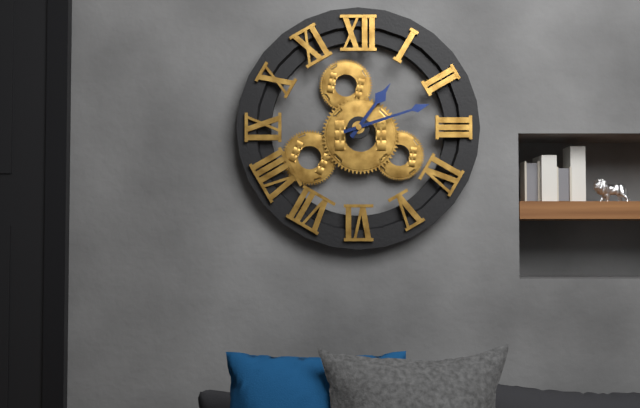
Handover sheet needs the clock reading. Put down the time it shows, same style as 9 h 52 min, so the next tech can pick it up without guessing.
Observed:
1 h 12 min
